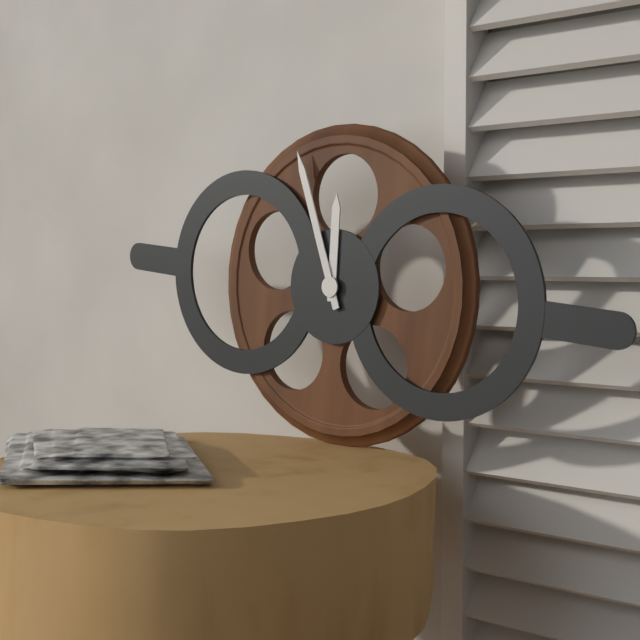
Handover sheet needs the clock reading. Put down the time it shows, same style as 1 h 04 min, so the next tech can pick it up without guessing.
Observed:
11 h 56 min
